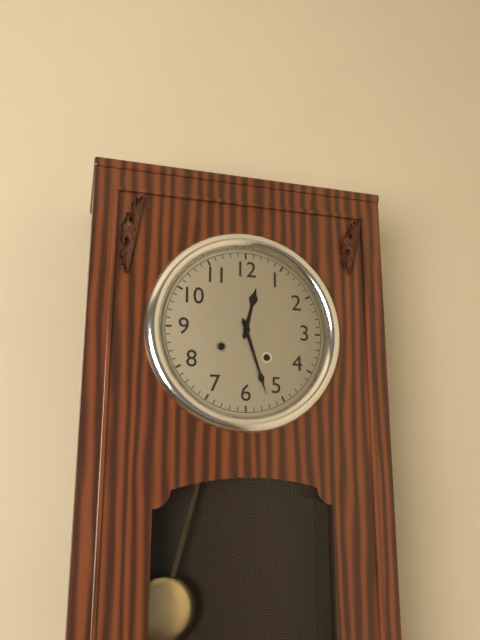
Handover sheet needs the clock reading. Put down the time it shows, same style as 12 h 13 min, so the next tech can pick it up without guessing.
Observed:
12 h 27 min
